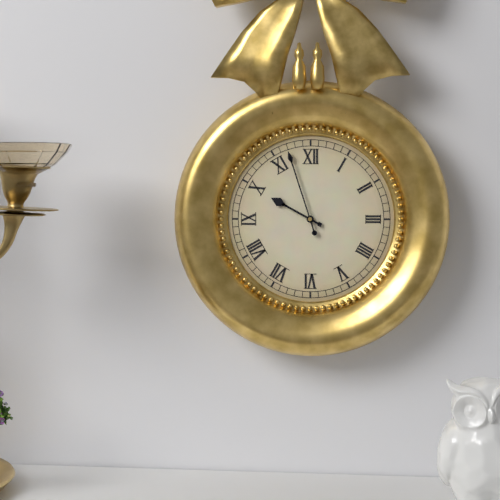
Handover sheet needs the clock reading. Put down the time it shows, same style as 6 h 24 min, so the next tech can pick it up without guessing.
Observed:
9 h 57 min
